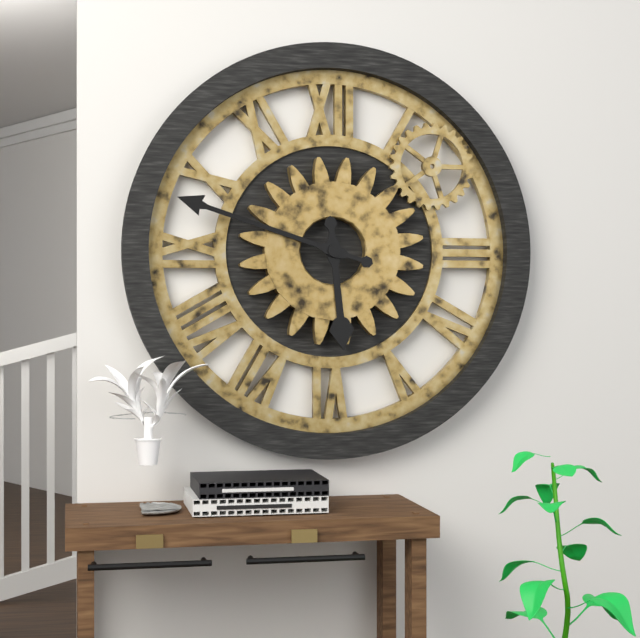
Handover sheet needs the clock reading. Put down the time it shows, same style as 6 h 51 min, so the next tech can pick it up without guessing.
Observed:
5 h 48 min
